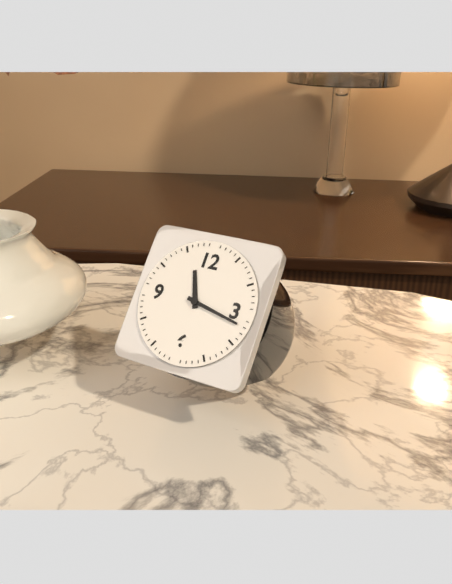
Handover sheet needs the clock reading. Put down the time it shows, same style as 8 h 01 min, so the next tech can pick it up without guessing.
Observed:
11 h 17 min
